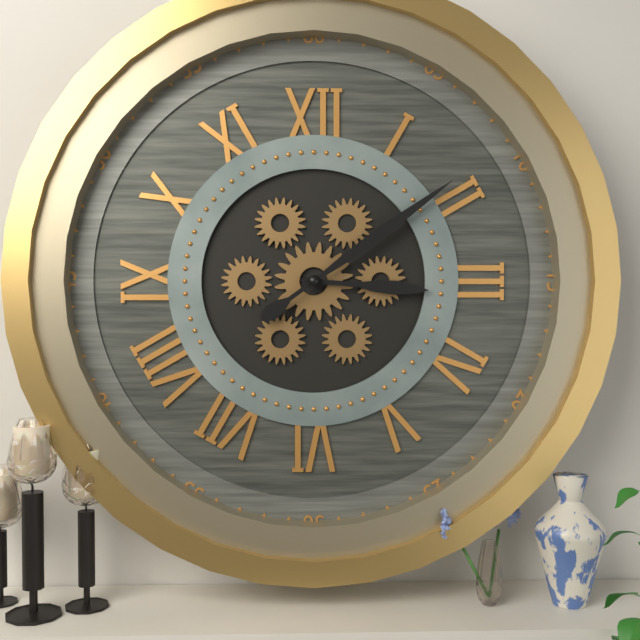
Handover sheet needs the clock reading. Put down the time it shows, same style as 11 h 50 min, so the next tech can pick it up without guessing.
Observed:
3 h 09 min
